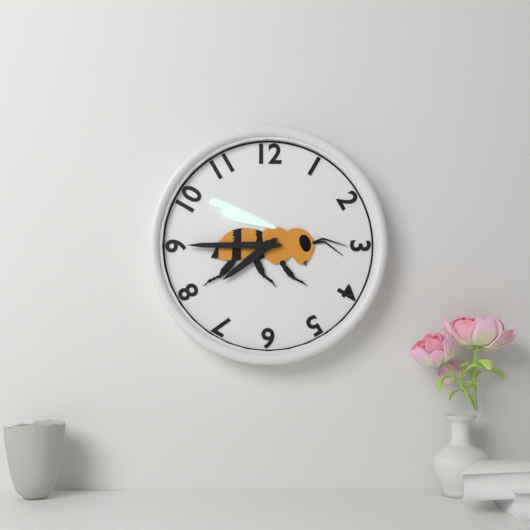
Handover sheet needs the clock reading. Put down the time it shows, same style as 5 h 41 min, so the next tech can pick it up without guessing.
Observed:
7 h 45 min
